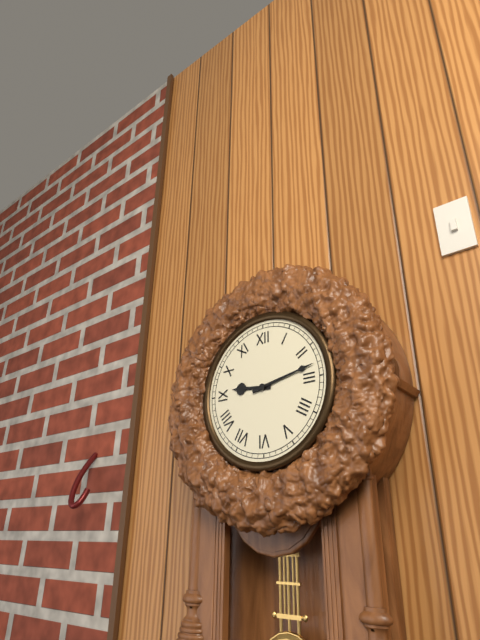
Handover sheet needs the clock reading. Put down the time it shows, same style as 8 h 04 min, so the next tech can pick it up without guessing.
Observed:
9 h 13 min
